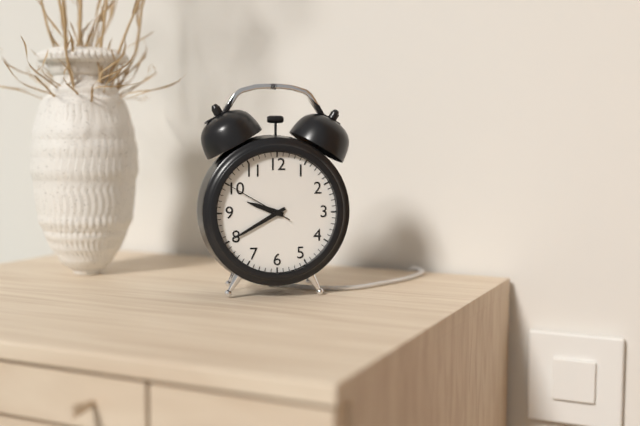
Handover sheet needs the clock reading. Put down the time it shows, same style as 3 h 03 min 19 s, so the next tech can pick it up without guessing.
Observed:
9 h 40 min 50 s
